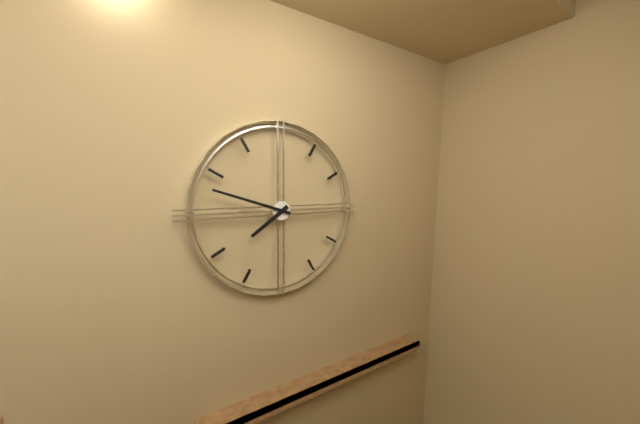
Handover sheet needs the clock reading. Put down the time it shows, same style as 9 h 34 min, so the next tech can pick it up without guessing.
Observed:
7 h 48 min
